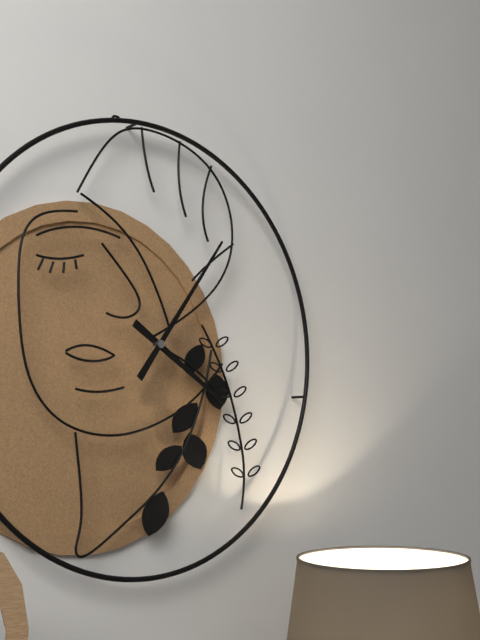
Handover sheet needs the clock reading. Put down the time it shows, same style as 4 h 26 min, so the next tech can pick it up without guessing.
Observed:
4 h 06 min
